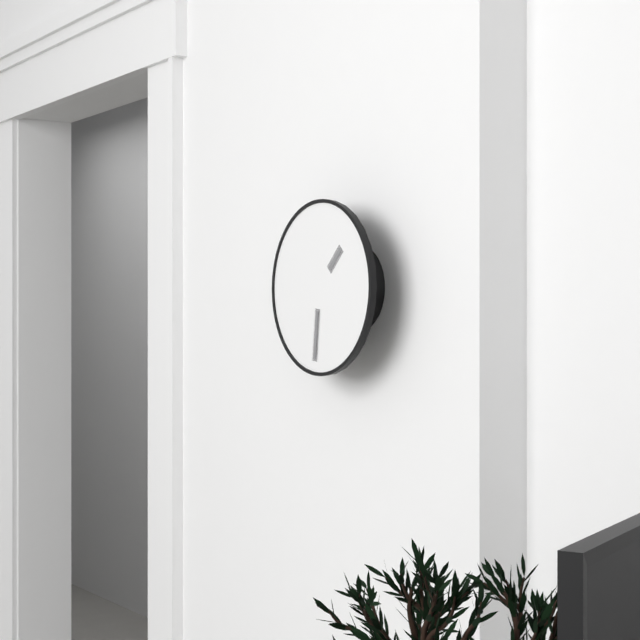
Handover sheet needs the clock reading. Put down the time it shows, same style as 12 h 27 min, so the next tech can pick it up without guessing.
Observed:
1 h 31 min
